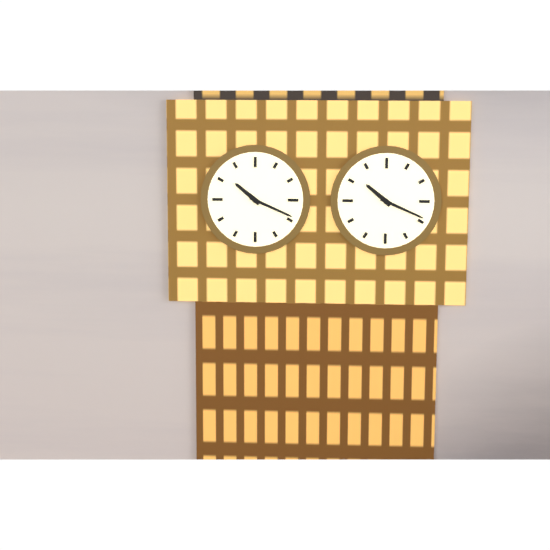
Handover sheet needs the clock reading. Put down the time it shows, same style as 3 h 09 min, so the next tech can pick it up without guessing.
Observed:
10 h 19 min
